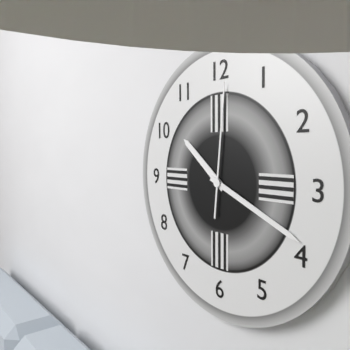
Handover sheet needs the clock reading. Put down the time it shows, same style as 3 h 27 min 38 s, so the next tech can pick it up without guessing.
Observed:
10 h 19 min 01 s
